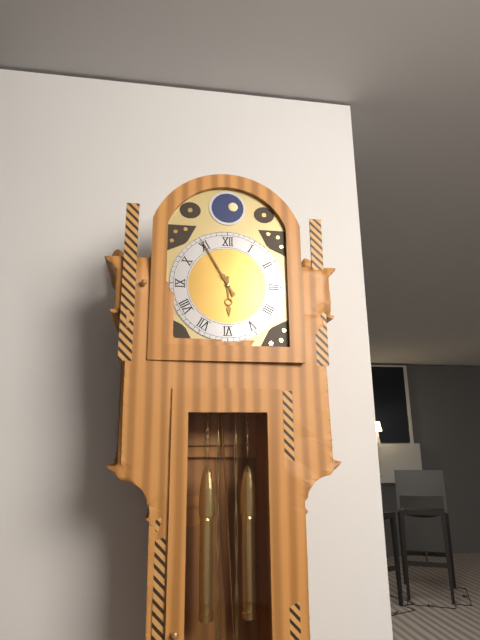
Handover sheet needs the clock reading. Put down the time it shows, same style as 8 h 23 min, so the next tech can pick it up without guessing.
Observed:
5 h 55 min
